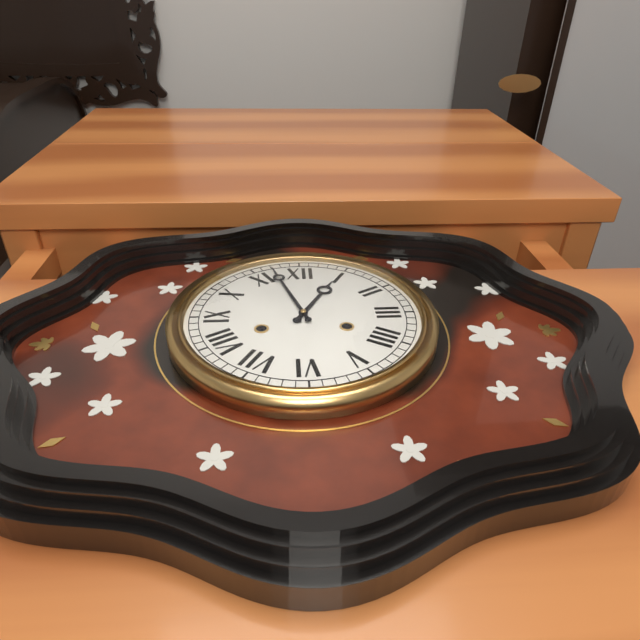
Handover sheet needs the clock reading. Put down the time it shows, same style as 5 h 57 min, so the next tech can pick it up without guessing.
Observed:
12 h 57 min
